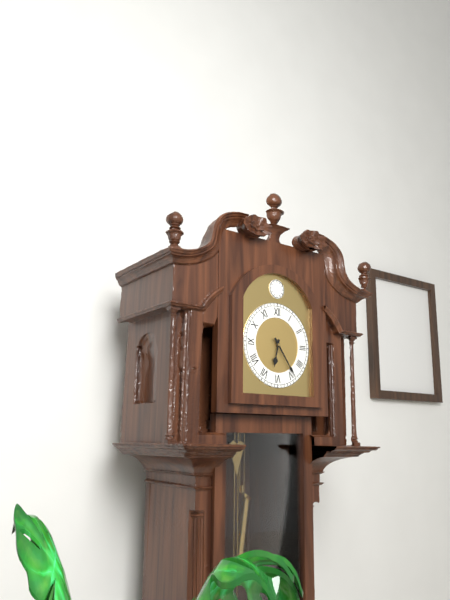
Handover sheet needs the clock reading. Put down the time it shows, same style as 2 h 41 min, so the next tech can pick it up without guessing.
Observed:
6 h 24 min
